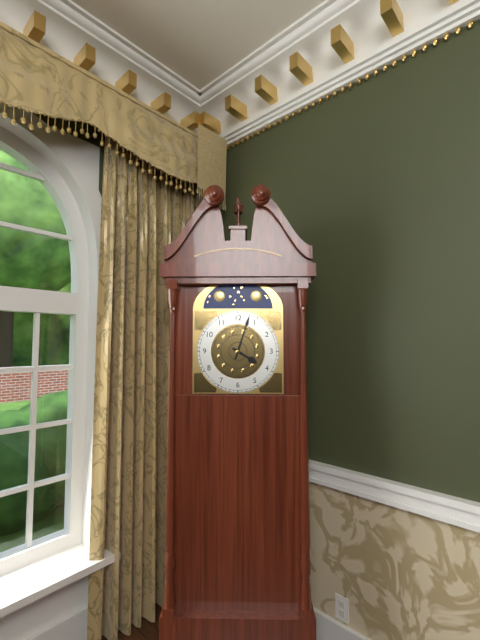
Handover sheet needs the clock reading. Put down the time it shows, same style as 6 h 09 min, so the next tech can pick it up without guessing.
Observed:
4 h 03 min
